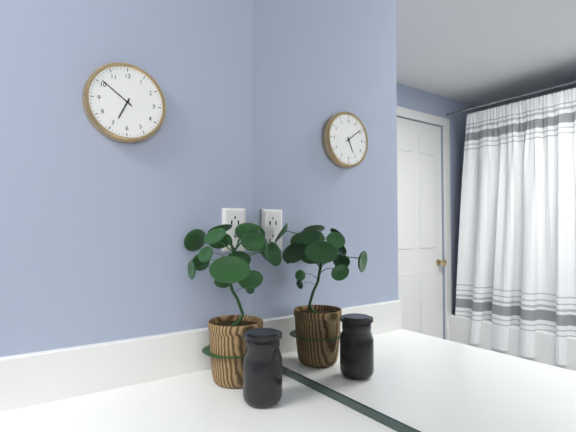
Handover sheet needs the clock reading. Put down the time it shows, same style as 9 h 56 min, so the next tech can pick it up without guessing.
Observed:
6 h 51 min
